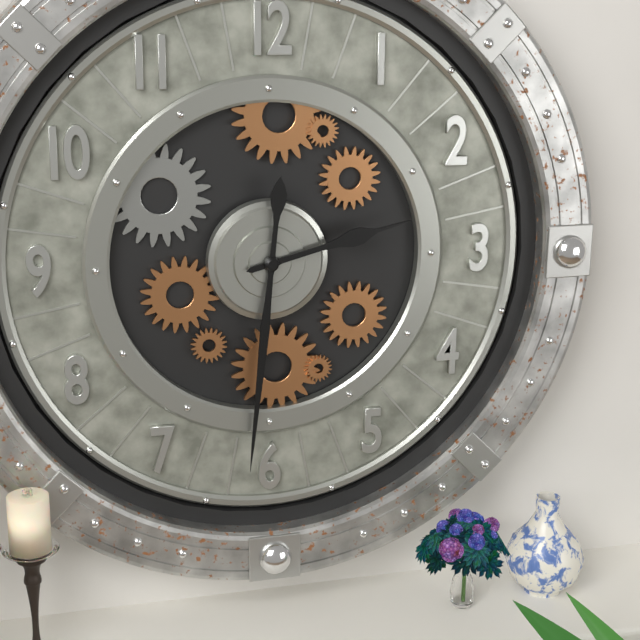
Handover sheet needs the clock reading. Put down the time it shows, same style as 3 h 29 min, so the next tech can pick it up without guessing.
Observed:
2 h 31 min
